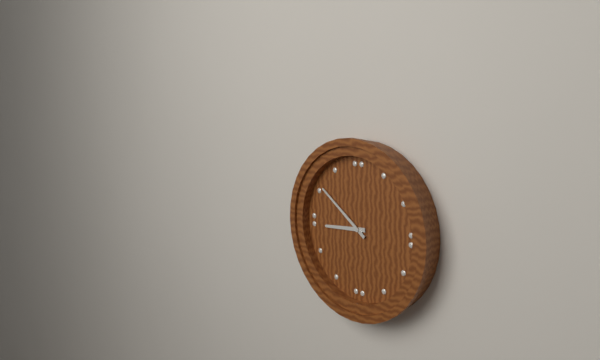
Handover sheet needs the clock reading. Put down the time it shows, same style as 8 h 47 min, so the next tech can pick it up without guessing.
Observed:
8 h 51 min
